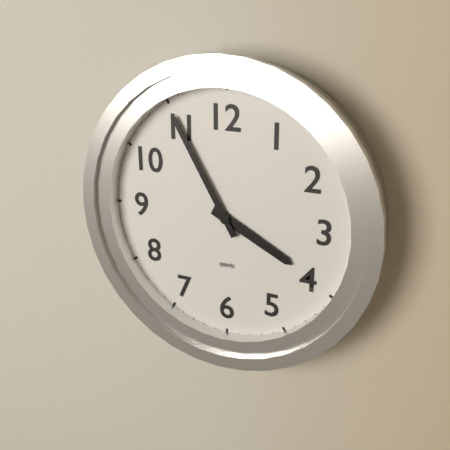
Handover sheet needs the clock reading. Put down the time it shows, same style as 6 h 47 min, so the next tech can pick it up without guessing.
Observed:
3 h 55 min
